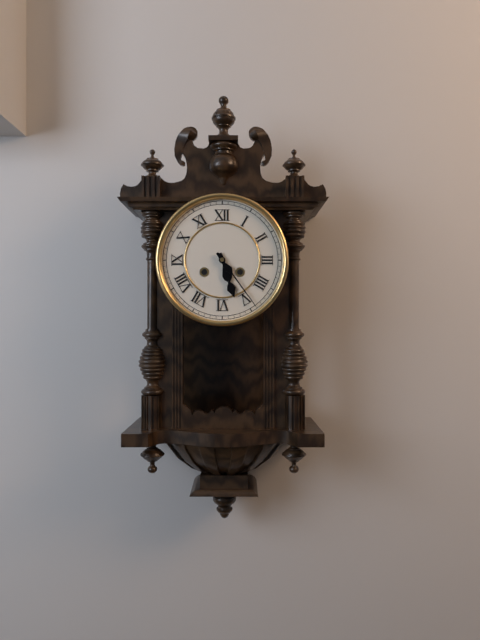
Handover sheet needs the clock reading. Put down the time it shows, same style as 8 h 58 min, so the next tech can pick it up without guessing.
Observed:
5 h 24 min
